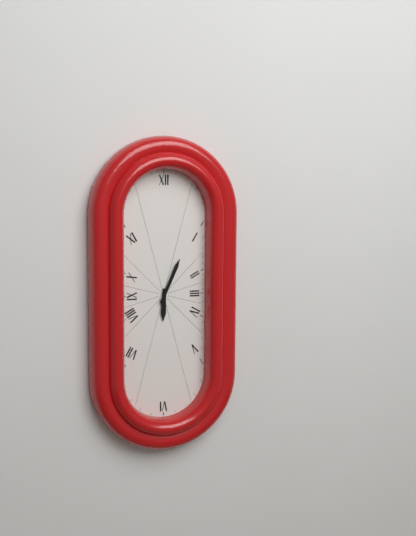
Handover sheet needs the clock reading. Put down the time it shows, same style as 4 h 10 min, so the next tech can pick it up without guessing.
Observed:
6 h 04 min
